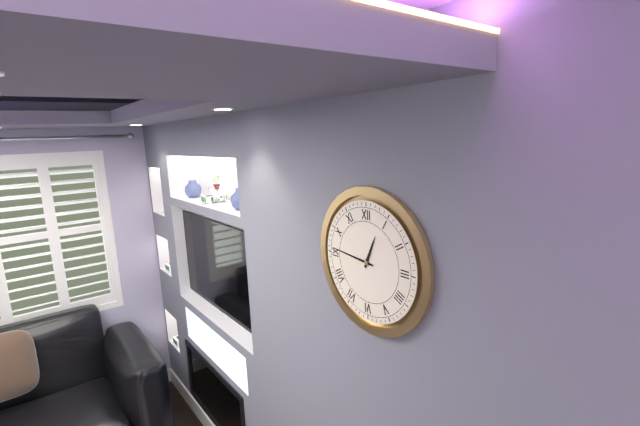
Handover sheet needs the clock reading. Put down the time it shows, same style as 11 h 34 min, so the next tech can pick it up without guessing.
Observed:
12 h 46 min
